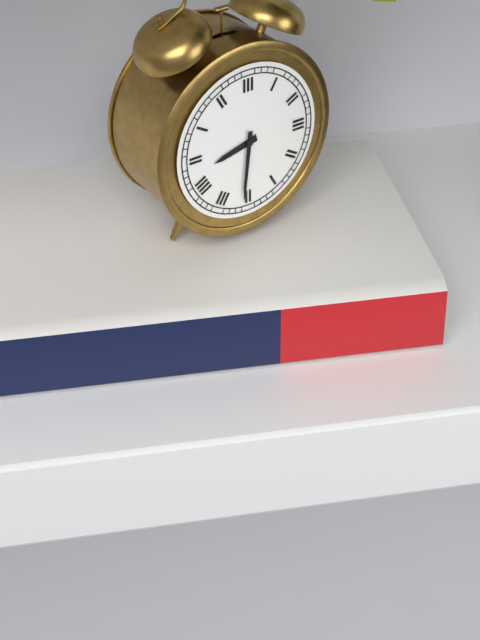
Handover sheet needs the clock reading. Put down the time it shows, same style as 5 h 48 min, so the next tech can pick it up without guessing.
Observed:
8 h 31 min
